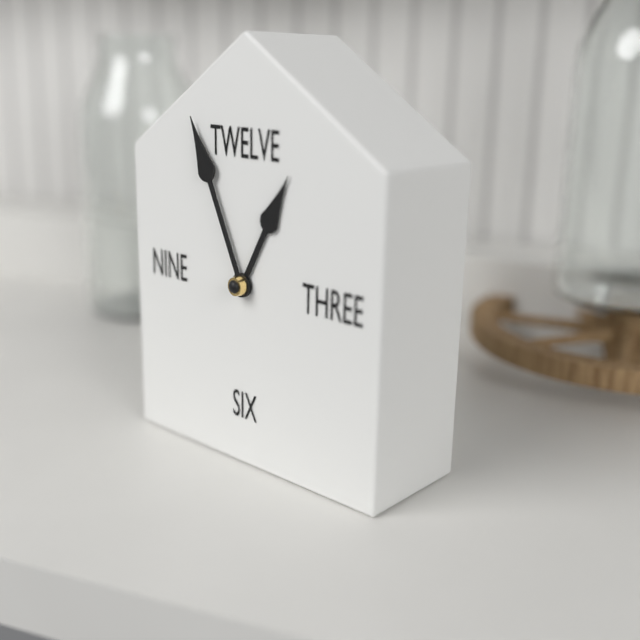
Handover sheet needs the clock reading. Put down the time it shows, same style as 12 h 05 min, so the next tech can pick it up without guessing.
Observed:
12 h 56 min
